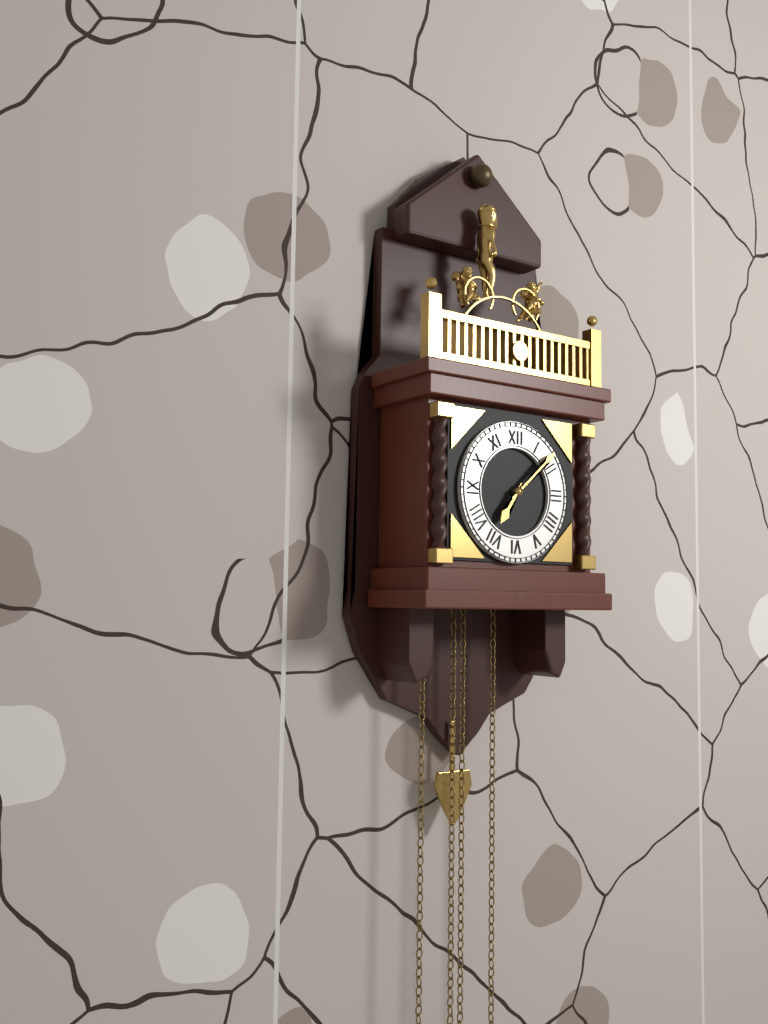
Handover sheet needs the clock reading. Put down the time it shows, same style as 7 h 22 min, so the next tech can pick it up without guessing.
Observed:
7 h 08 min
